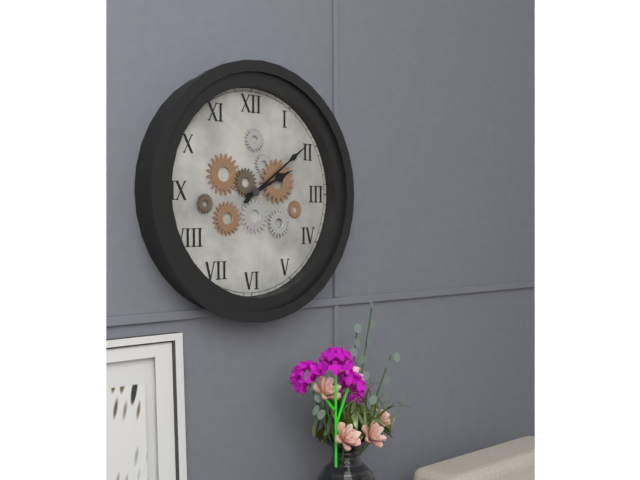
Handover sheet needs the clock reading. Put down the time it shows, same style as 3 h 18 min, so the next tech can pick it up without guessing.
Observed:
2 h 09 min
